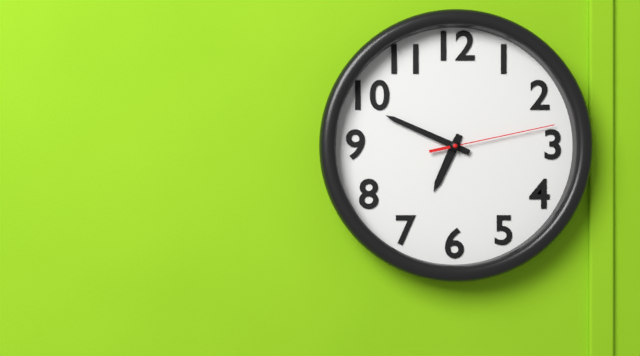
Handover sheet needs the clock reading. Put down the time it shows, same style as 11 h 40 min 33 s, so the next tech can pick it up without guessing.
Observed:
6 h 49 min 13 s
